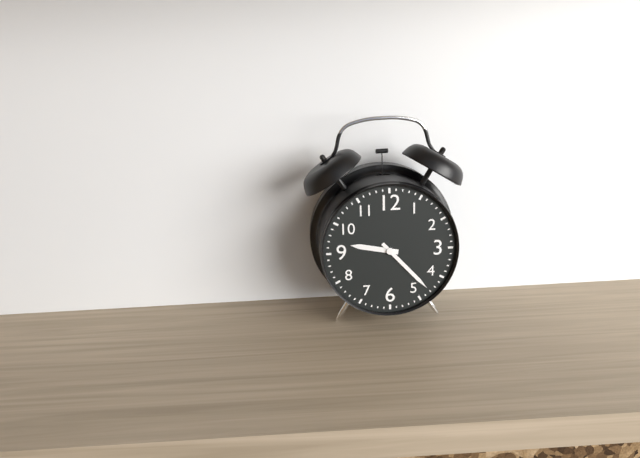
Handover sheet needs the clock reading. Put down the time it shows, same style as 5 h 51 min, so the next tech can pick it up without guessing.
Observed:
9 h 23 min
